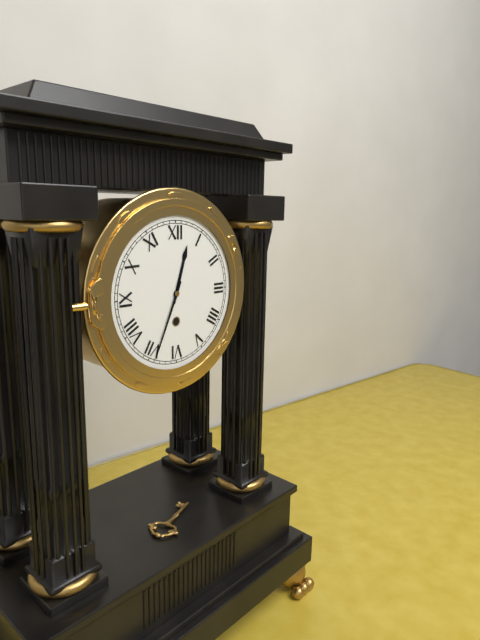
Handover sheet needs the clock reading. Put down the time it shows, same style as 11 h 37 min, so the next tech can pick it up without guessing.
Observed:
12 h 34 min
